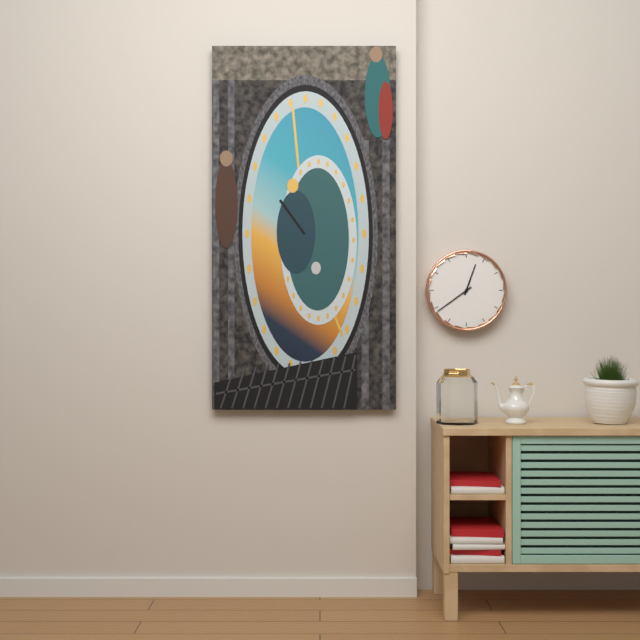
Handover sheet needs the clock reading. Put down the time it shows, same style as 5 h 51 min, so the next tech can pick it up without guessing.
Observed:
12 h 39 min
